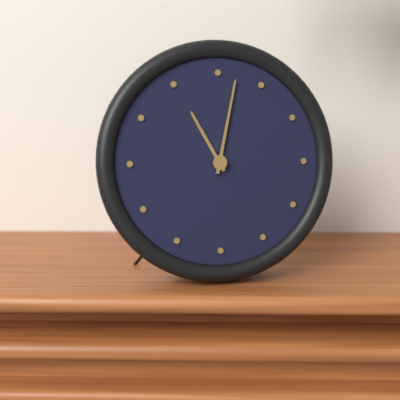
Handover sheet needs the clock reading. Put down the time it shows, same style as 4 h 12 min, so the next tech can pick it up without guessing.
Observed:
11 h 02 min
